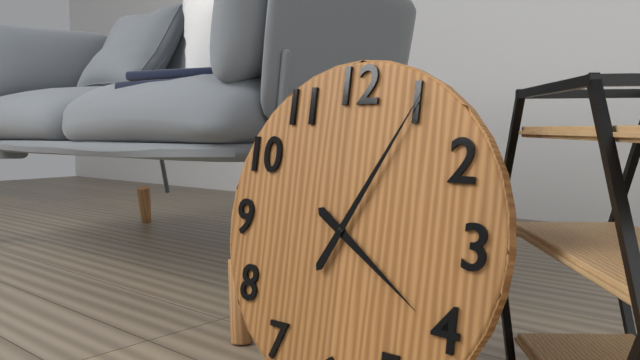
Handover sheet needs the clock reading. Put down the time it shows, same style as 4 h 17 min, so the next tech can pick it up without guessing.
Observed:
4 h 05 min
